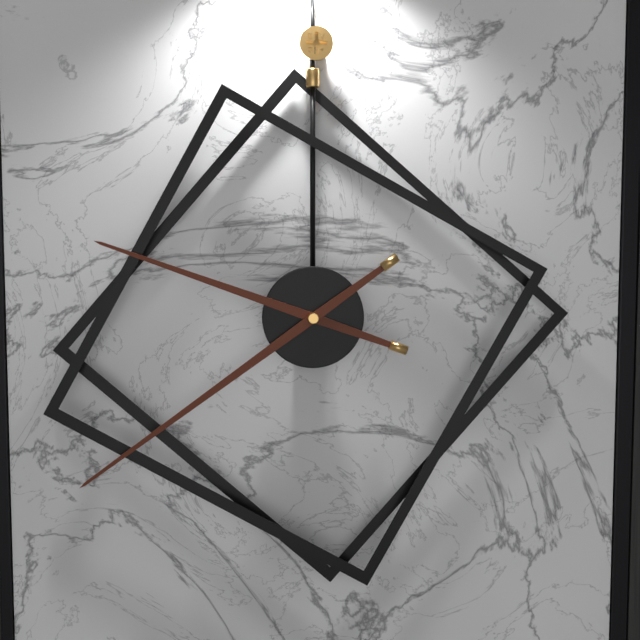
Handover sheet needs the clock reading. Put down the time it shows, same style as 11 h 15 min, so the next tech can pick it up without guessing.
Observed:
9 h 39 min
